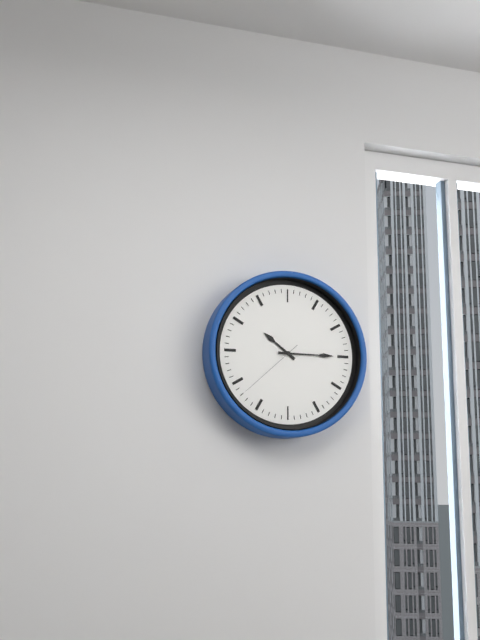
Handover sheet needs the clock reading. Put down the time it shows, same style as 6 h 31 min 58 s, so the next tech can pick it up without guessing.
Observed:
10 h 15 min 38 s
